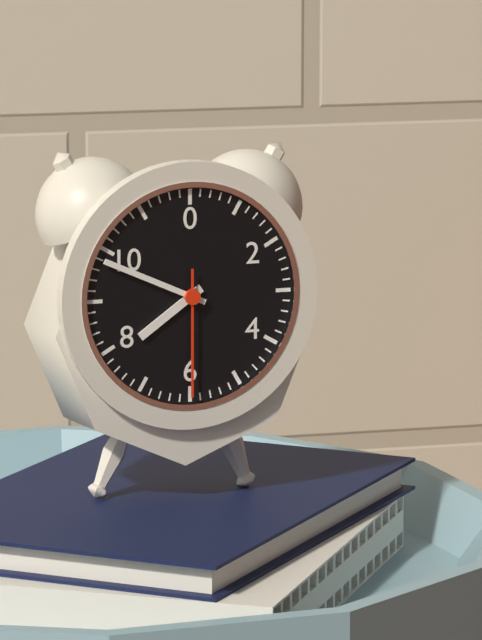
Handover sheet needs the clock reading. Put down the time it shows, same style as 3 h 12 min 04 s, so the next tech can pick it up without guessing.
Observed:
7 h 49 min 30 s
